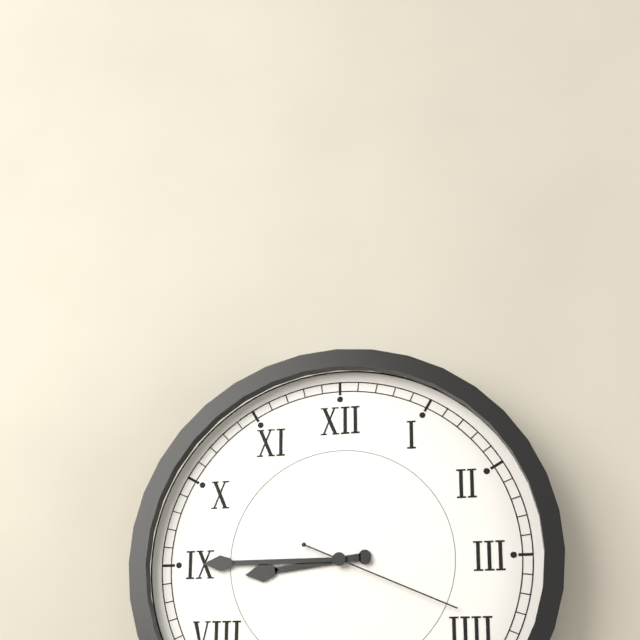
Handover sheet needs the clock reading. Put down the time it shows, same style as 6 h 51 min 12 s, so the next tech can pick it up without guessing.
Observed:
8 h 45 min 19 s
